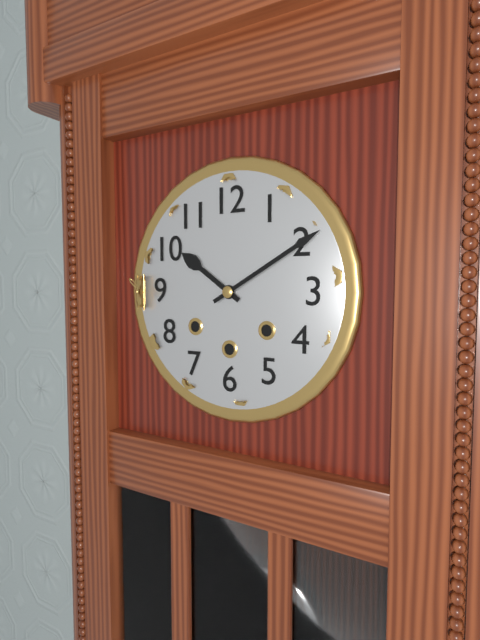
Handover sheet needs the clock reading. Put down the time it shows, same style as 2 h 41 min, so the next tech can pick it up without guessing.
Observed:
10 h 10 min
